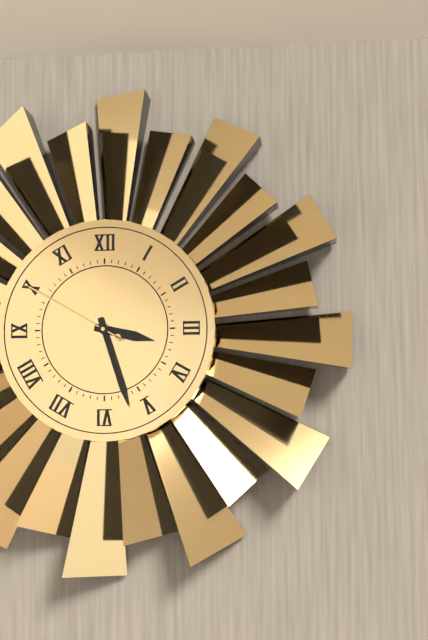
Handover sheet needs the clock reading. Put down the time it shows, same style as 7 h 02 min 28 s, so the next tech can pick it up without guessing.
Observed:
3 h 27 min 50 s
